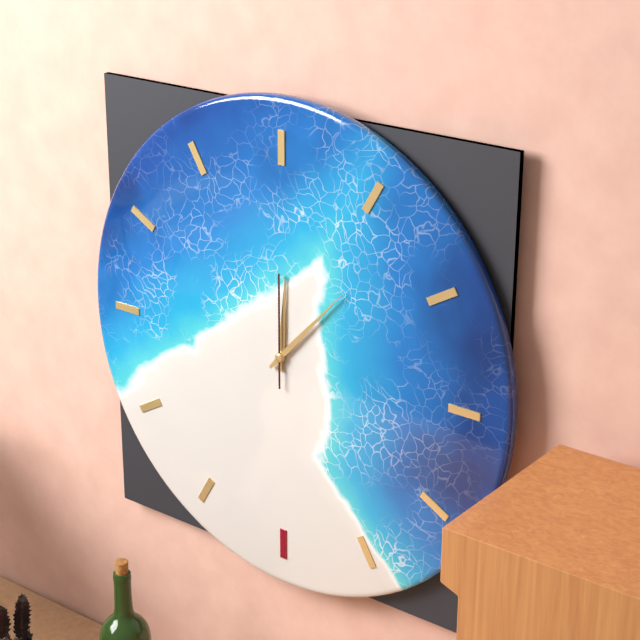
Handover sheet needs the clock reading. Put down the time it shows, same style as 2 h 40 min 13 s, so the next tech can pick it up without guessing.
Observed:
12 h 07 min 00 s
